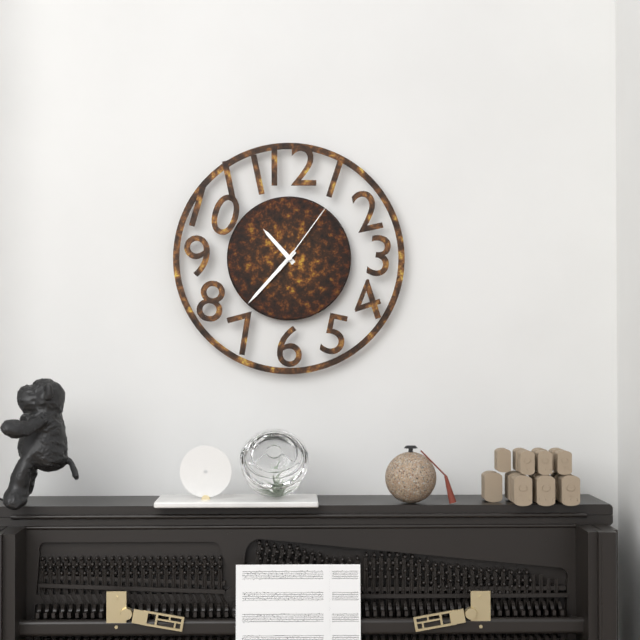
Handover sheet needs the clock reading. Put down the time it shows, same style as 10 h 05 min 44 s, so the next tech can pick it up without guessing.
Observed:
10 h 37 min 06 s
